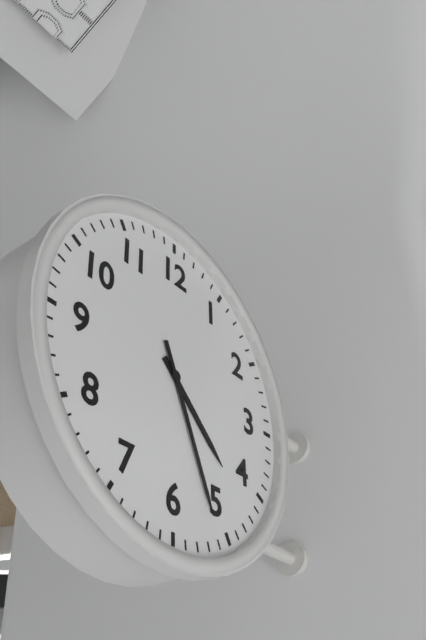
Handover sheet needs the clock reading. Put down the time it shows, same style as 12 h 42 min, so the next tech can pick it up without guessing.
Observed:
4 h 26 min
